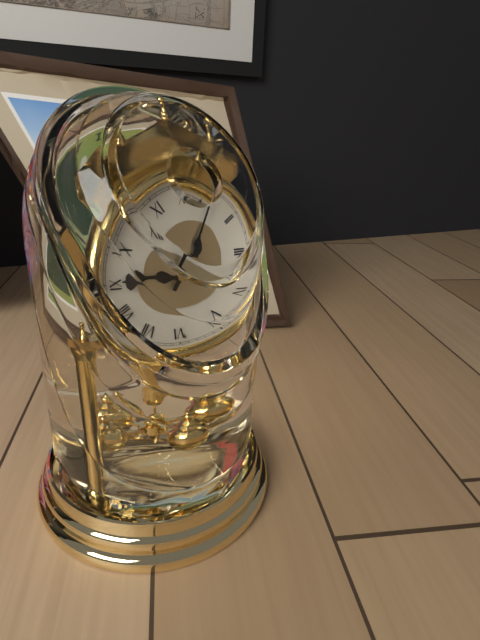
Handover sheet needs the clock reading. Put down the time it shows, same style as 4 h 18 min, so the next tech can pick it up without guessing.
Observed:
9 h 05 min
